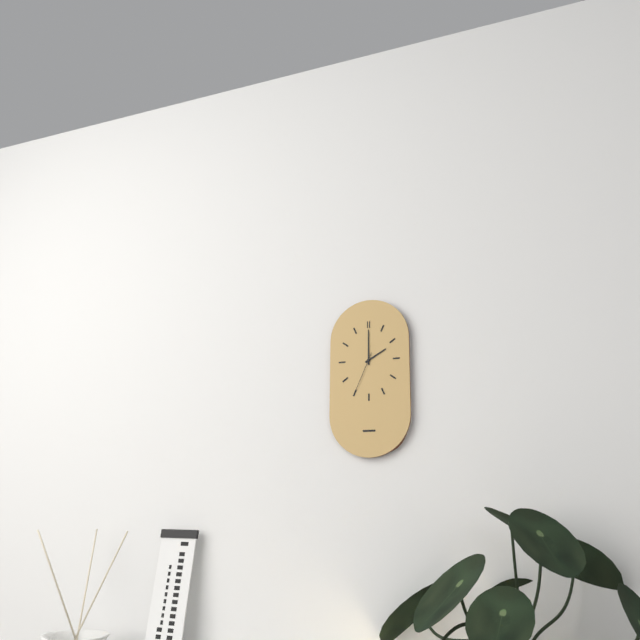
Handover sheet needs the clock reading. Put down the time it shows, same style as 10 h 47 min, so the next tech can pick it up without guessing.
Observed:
2 h 00 min
